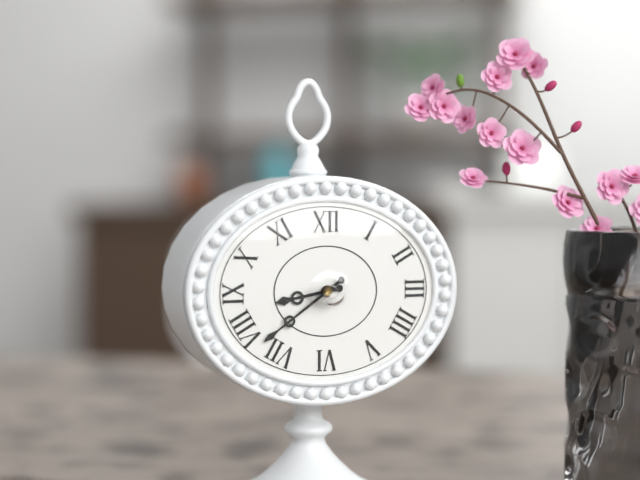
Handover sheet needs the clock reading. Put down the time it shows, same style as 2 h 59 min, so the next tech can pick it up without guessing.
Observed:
8 h 39 min
